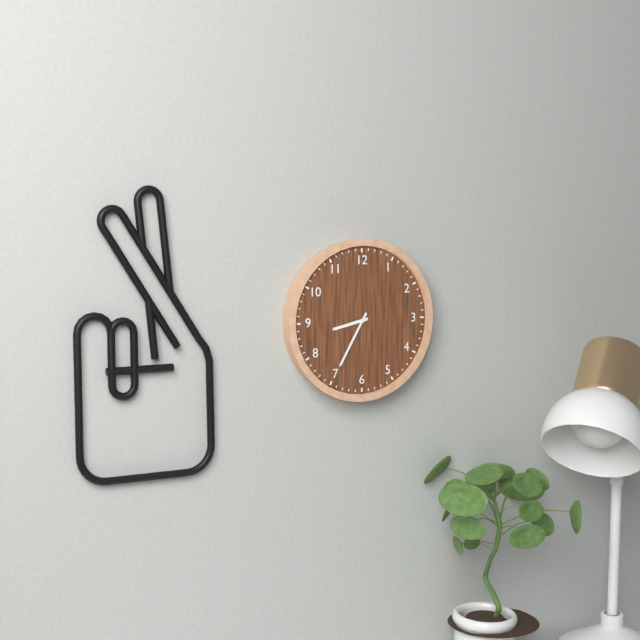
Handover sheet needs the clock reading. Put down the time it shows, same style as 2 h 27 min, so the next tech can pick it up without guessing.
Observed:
8 h 35 min
